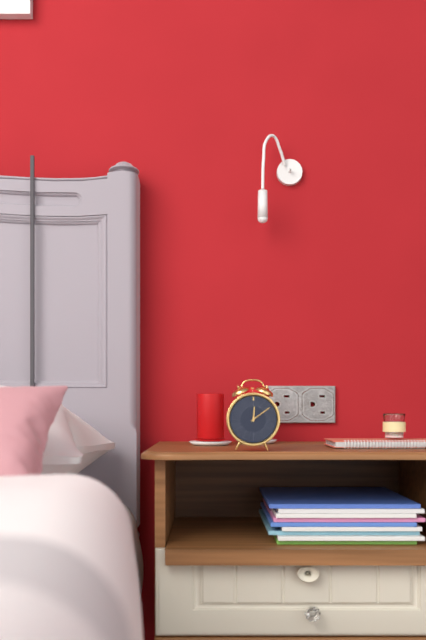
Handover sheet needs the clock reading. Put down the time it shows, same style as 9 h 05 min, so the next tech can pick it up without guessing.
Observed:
12 h 09 min
